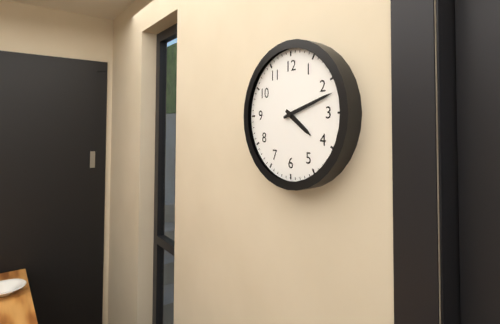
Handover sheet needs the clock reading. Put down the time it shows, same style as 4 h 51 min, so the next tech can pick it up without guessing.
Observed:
4 h 12 min
